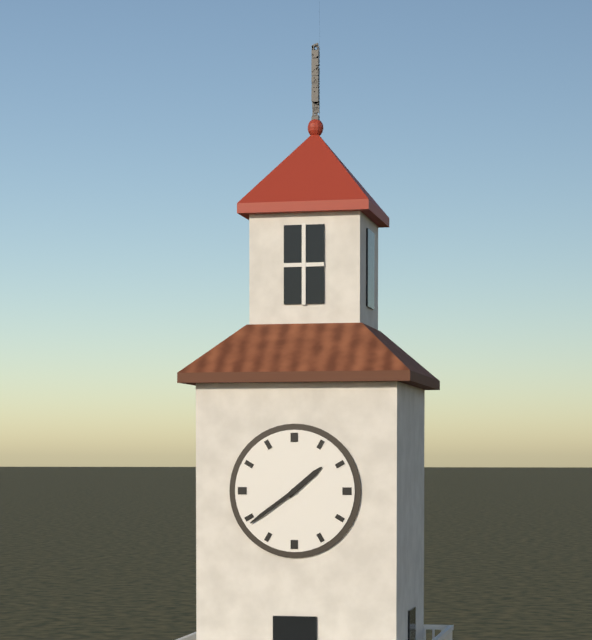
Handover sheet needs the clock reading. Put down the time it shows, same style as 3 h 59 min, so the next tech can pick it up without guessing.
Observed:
1 h 39 min
